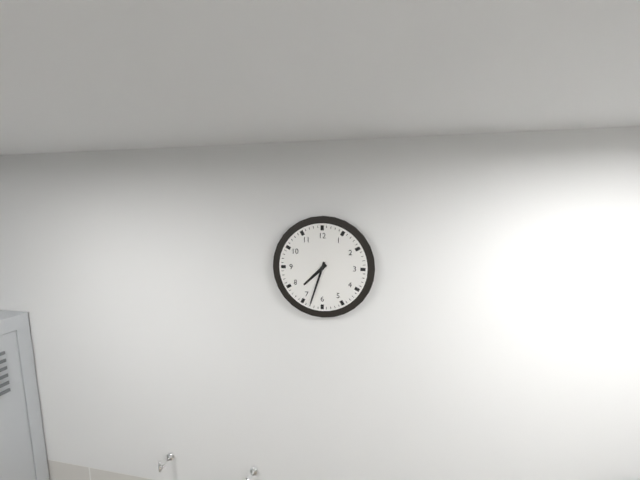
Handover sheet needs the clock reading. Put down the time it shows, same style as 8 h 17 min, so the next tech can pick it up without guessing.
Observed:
7 h 33 min
